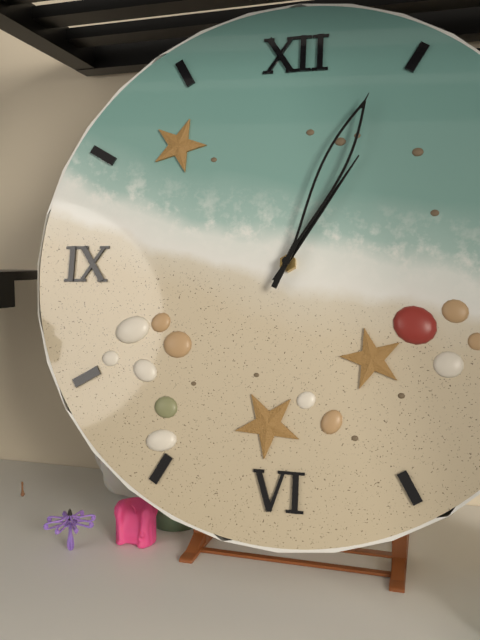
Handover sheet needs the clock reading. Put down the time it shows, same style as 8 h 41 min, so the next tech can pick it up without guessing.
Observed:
1 h 04 min
